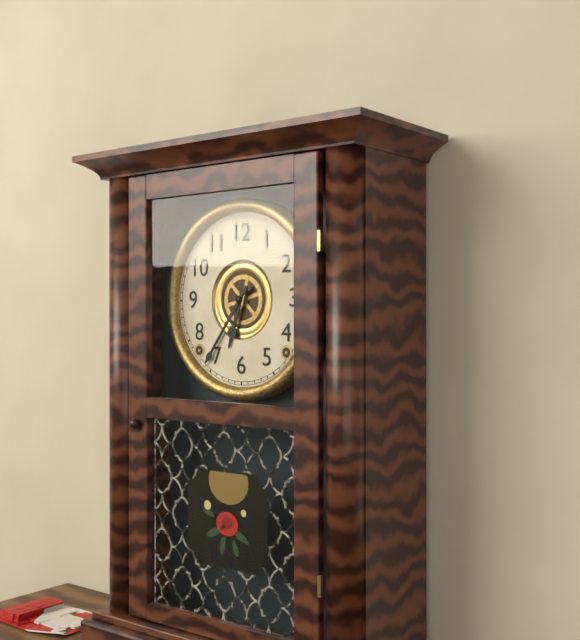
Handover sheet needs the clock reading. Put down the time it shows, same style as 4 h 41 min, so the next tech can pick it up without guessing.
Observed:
6 h 36 min
